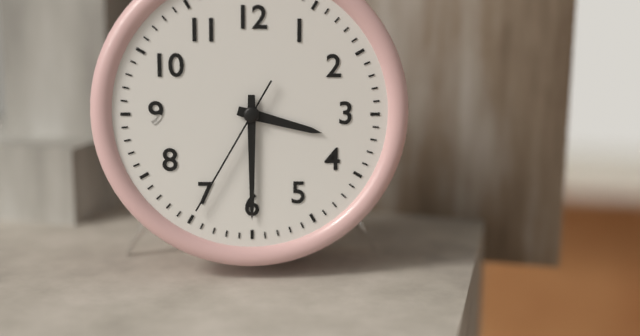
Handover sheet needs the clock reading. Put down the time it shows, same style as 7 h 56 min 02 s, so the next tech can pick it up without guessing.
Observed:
3 h 30 min 35 s
